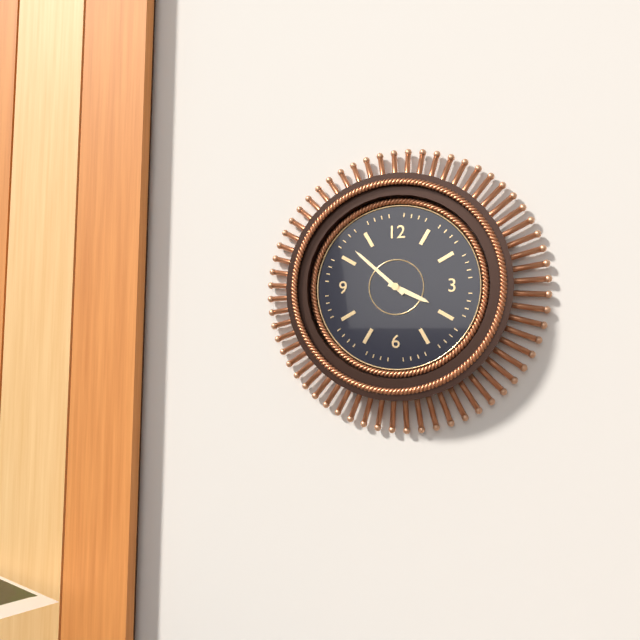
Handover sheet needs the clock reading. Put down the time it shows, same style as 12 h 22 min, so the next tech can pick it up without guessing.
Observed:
3 h 52 min
